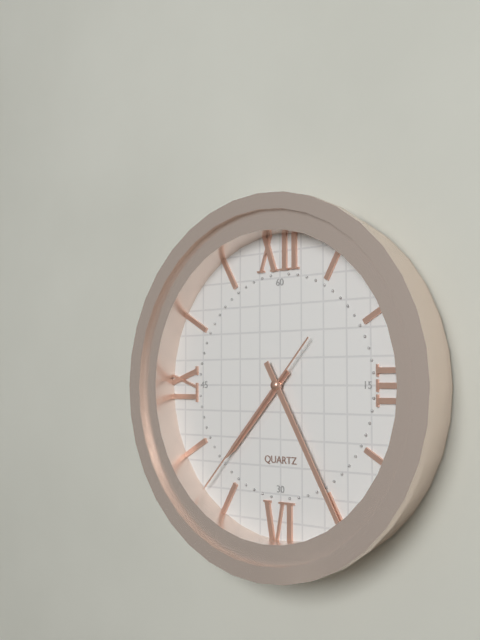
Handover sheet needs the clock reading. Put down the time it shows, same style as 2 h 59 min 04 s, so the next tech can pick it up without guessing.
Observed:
7 h 25 min 37 s
